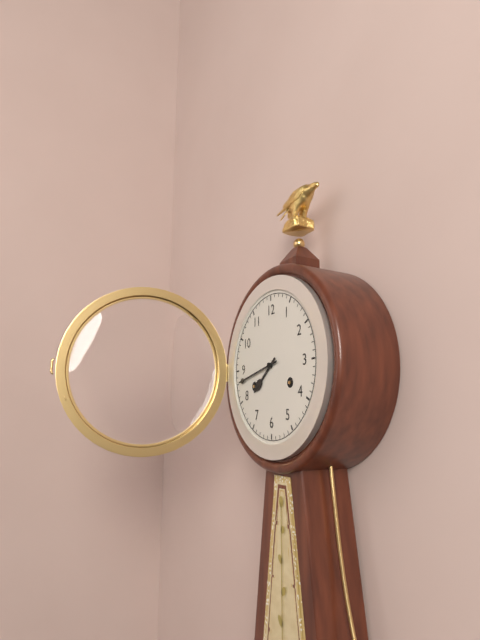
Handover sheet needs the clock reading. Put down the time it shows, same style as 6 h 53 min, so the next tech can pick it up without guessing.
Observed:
7 h 43 min
